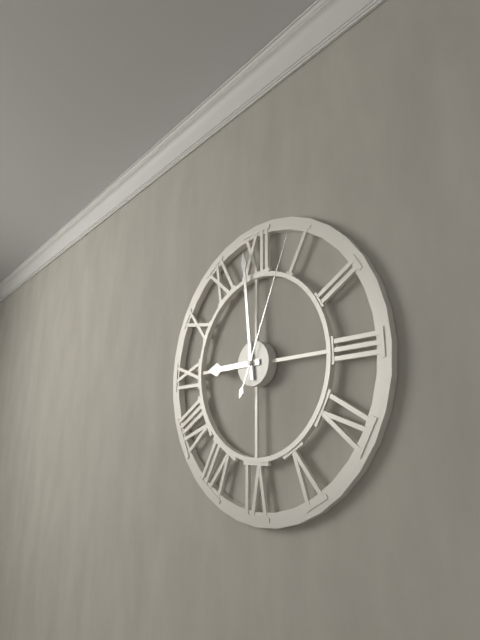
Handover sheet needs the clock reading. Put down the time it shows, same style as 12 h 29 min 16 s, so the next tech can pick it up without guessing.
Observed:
8 h 59 min 04 s
